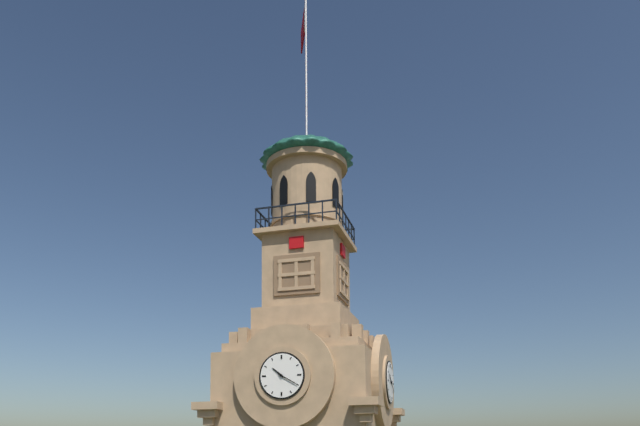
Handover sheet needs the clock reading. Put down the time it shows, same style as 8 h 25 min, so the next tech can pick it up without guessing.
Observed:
10 h 20 min
